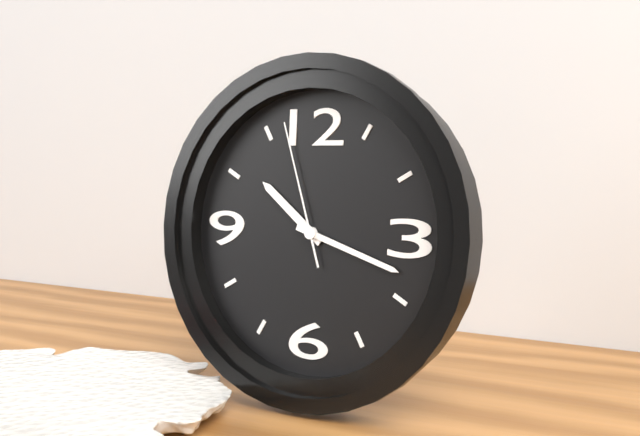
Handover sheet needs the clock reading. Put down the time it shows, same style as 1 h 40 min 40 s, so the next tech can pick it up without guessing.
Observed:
10 h 18 min 57 s
